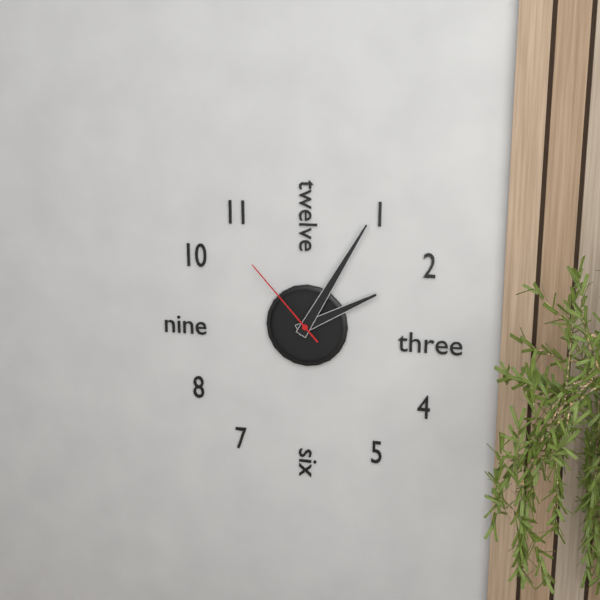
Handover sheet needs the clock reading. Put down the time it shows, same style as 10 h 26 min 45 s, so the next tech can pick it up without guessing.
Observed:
2 h 05 min 53 s
